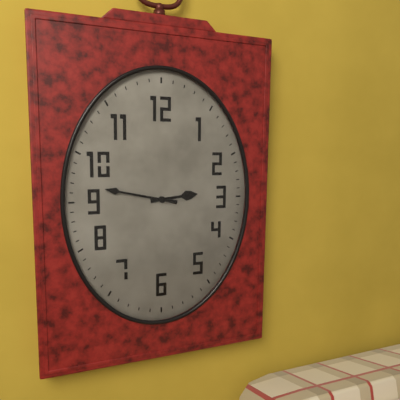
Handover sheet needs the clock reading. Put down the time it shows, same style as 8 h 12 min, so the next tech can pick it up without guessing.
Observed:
2 h 47 min
